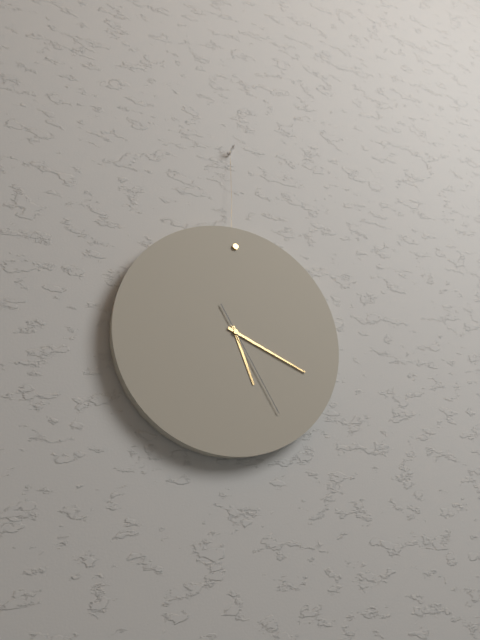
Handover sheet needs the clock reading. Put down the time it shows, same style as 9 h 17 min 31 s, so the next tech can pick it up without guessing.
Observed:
5 h 19 min 25 s
